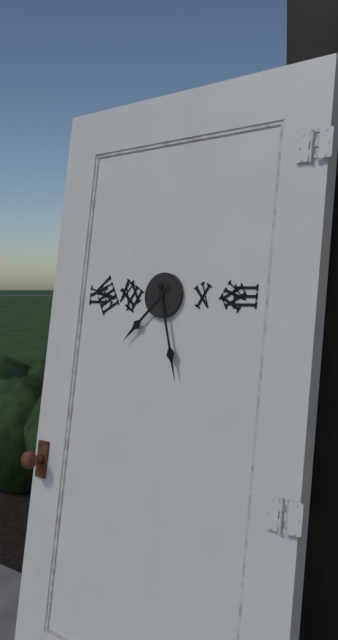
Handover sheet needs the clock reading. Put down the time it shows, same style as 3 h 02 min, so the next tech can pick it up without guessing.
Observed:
7 h 27 min
